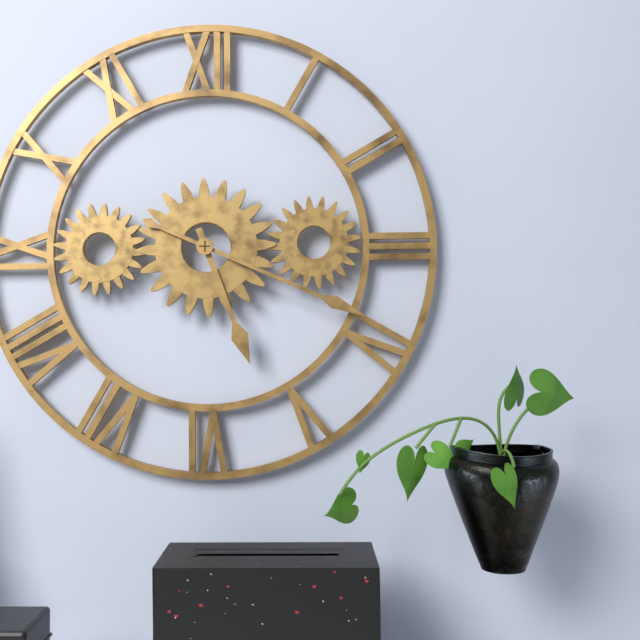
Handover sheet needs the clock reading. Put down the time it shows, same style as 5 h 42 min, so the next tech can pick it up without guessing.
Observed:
5 h 19 min
